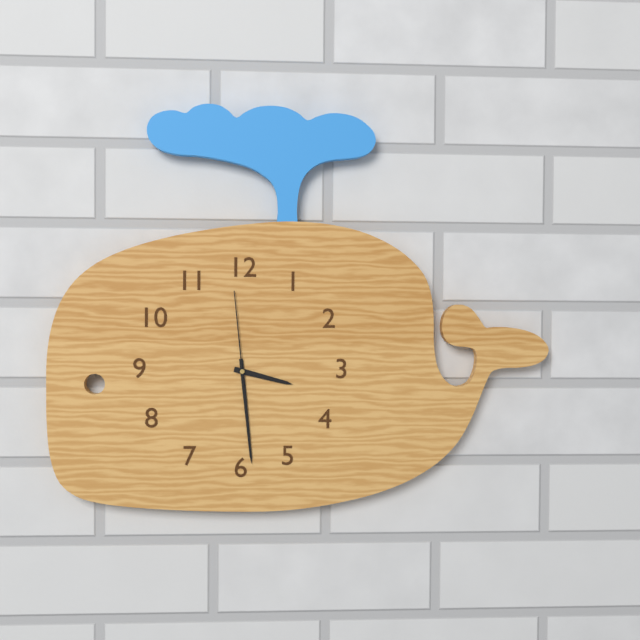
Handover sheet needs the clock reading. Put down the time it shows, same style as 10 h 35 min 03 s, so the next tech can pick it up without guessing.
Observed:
3 h 29 min 59 s
